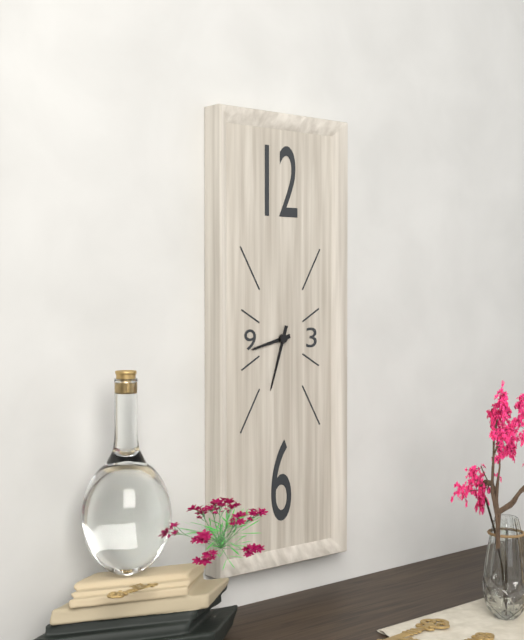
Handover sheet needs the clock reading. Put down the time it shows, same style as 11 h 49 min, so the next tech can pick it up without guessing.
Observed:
8 h 33 min
